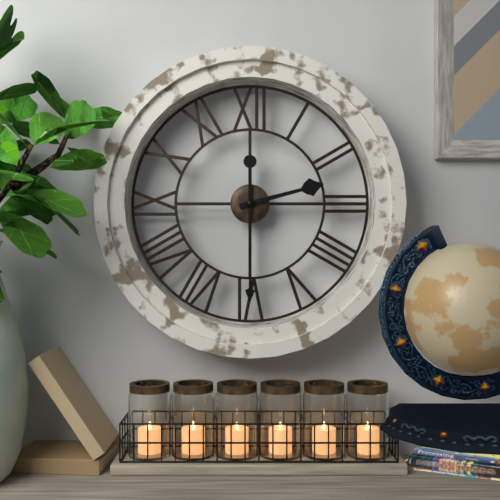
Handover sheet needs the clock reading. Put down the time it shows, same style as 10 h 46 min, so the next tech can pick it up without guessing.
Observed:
2 h 30 min
